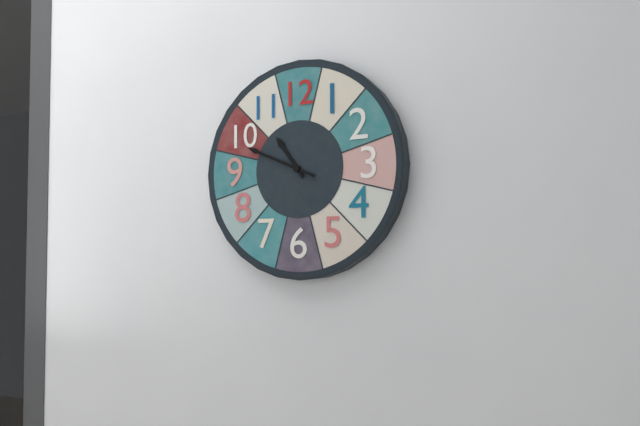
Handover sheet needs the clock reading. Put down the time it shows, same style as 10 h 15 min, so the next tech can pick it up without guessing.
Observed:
10 h 49 min
